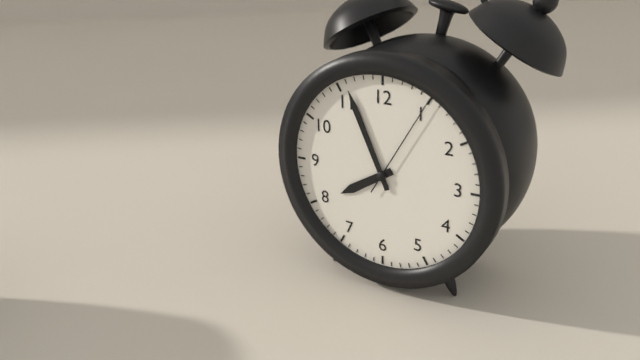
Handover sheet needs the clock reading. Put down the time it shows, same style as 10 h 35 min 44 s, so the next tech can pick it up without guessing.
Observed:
7 h 56 min 05 s
